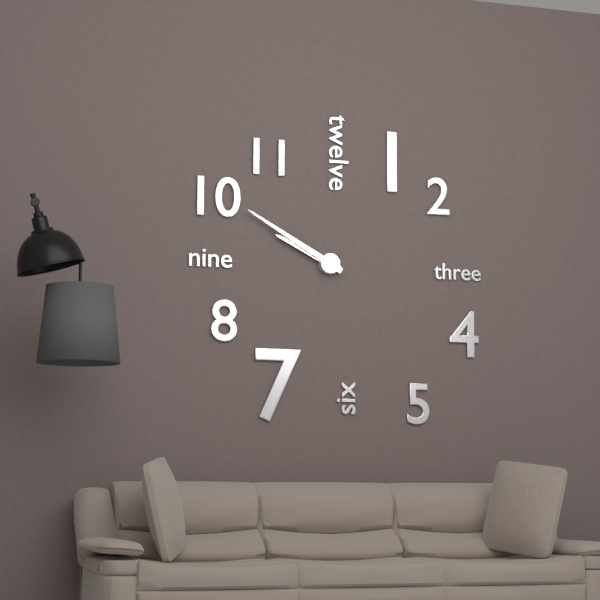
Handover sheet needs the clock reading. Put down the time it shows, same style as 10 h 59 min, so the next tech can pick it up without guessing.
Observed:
9 h 50 min
